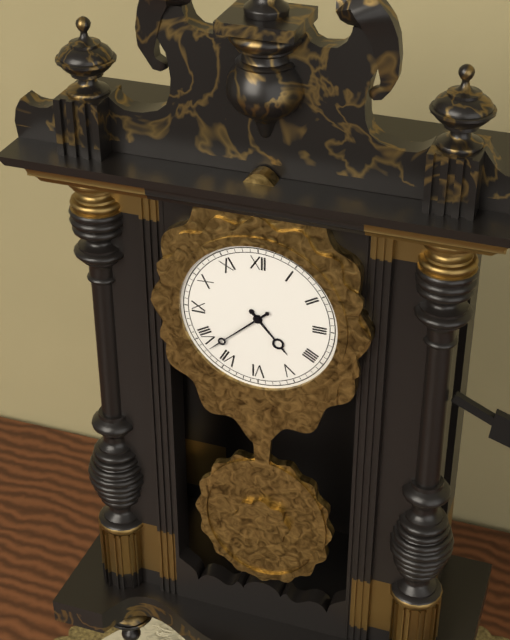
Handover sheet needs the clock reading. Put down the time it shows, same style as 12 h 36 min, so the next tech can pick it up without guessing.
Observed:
4 h 38 min
